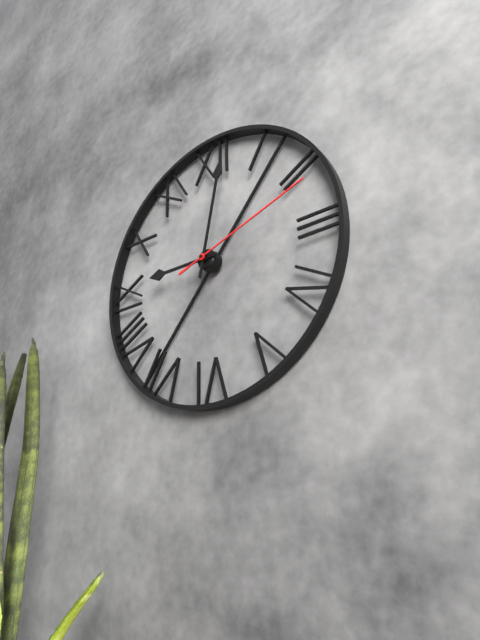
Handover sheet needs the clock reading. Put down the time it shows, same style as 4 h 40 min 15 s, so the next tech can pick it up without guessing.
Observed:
9 h 02 min 12 s
